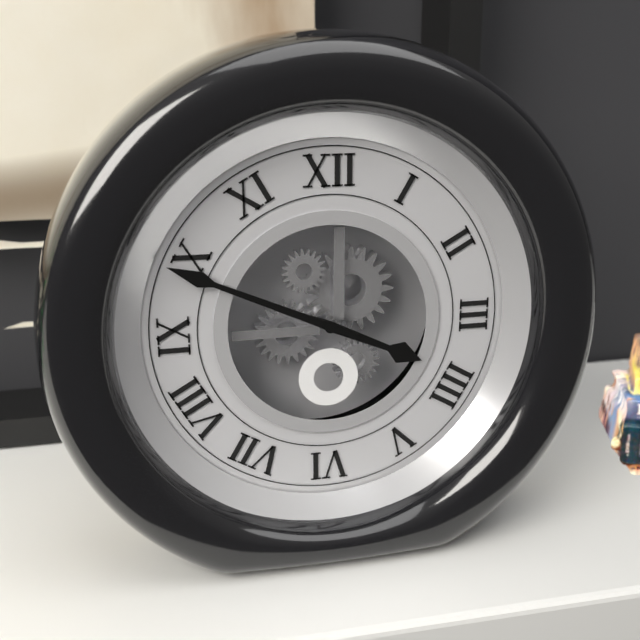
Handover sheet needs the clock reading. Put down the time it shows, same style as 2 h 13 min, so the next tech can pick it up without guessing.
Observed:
3 h 49 min
